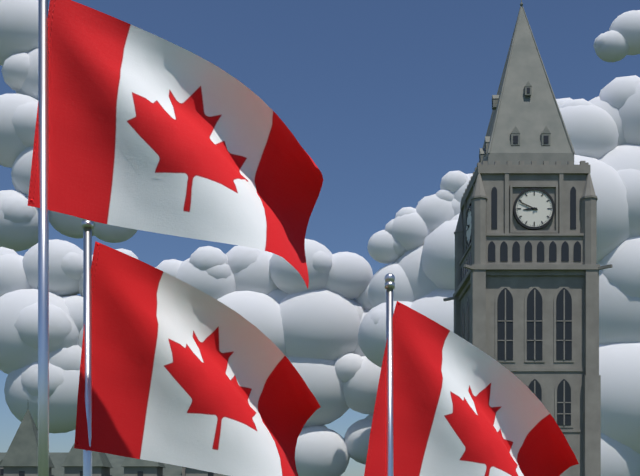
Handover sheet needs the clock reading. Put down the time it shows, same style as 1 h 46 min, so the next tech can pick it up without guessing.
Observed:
8 h 49 min
